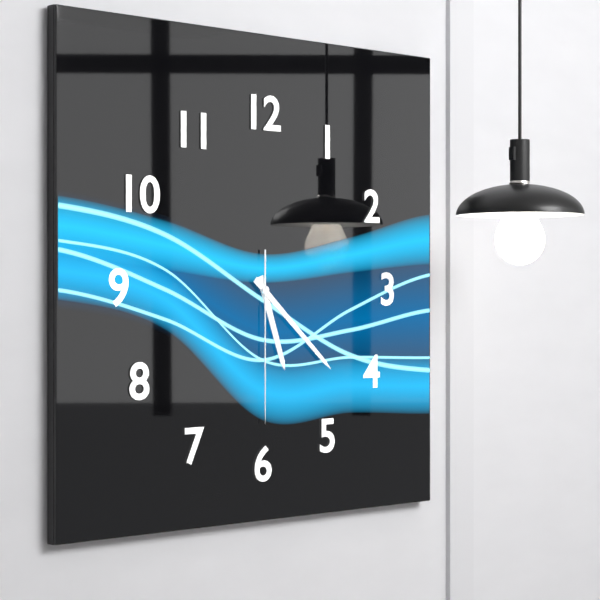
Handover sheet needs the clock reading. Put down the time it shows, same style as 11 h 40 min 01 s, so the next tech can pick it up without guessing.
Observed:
5 h 22 min 30 s
